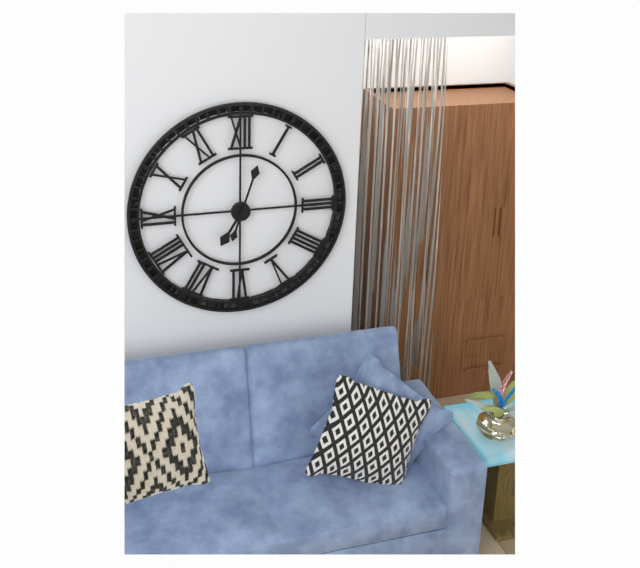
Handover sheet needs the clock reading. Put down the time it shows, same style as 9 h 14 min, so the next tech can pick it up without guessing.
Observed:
7 h 03 min
